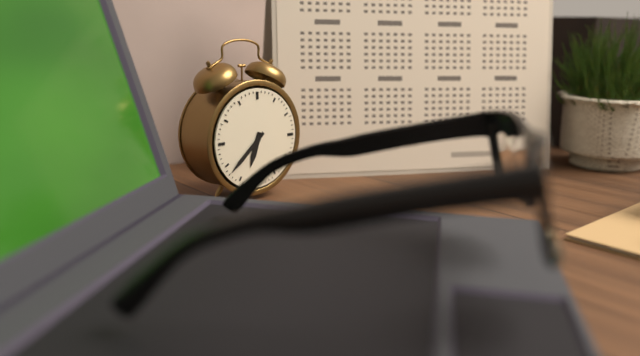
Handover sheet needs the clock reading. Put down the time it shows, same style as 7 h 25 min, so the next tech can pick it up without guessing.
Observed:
6 h 38 min
